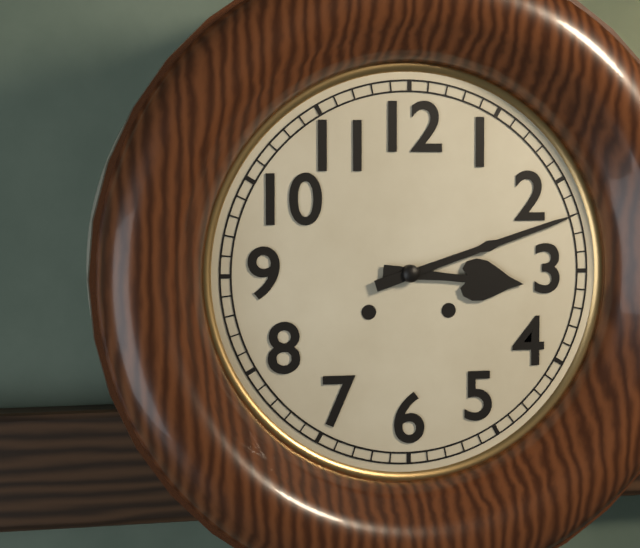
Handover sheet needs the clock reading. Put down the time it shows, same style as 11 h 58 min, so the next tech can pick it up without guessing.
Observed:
3 h 12 min
